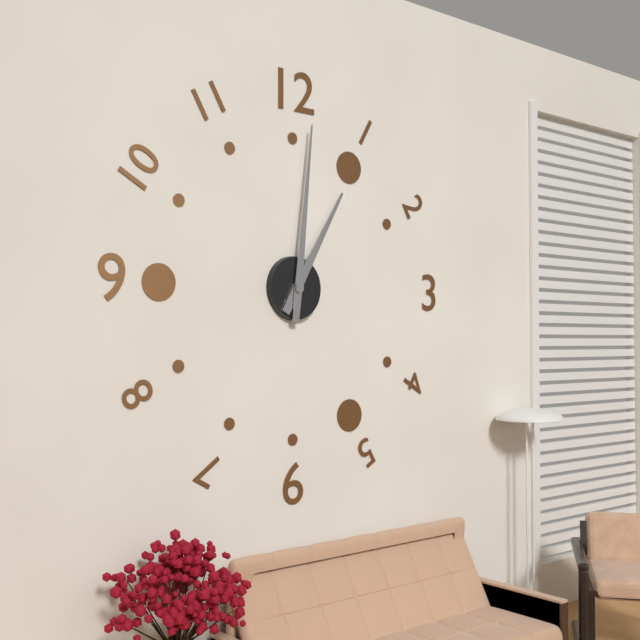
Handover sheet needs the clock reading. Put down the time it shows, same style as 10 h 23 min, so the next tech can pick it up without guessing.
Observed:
1 h 01 min
